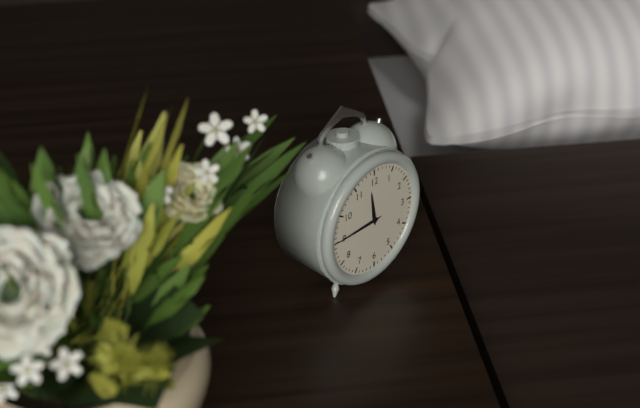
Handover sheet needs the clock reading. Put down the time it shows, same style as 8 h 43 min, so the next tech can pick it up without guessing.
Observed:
11 h 45 min
